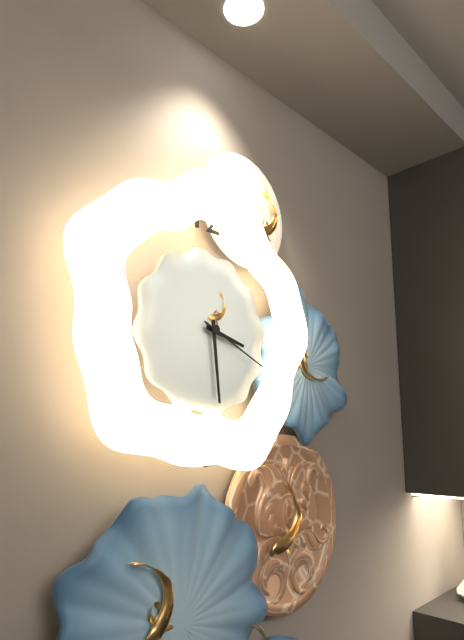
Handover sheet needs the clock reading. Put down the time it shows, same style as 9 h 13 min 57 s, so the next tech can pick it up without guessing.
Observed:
3 h 29 min 19 s
